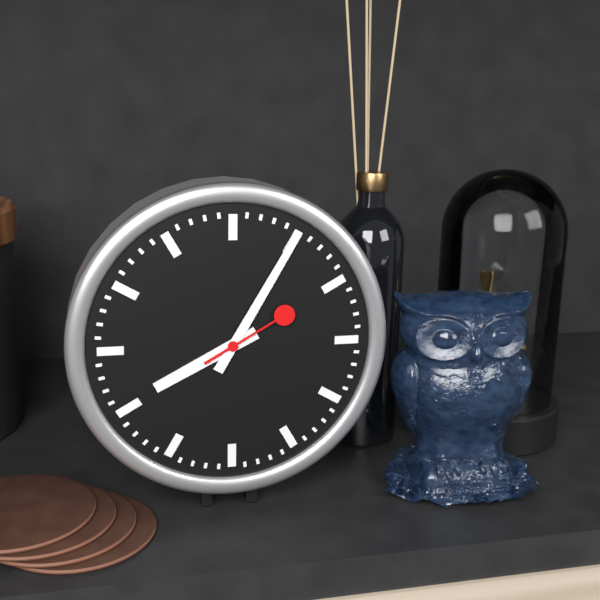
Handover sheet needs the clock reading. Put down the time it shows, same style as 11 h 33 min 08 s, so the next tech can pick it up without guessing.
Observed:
8 h 05 min 10 s
